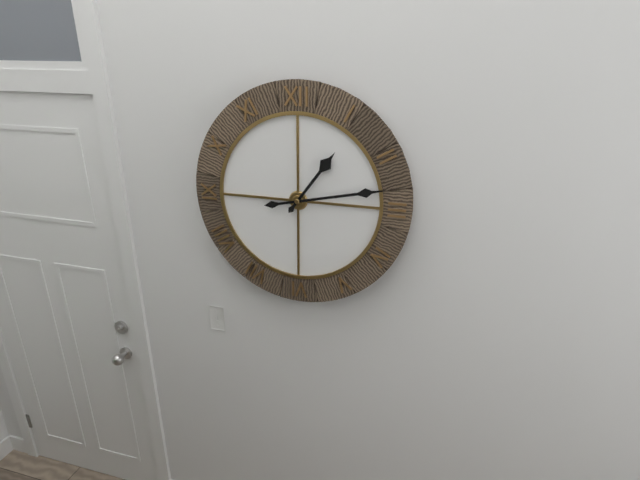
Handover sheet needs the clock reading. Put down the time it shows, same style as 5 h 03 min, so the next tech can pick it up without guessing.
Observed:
1 h 13 min
